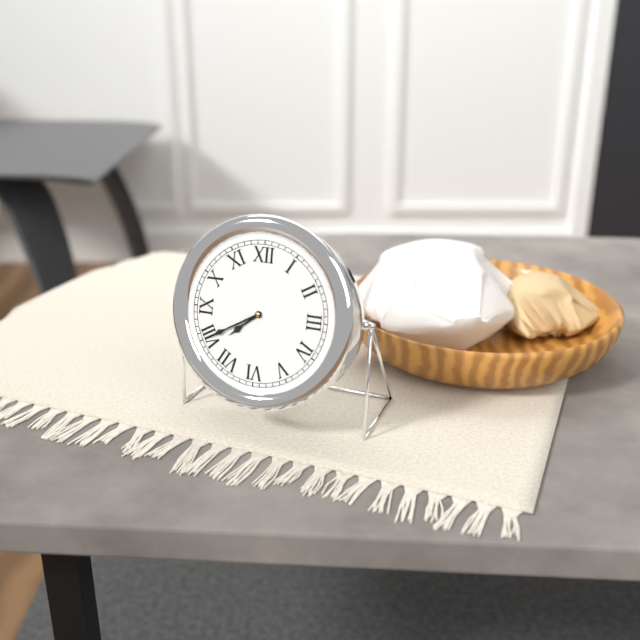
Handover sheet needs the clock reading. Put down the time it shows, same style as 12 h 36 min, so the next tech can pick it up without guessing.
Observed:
7 h 40 min
